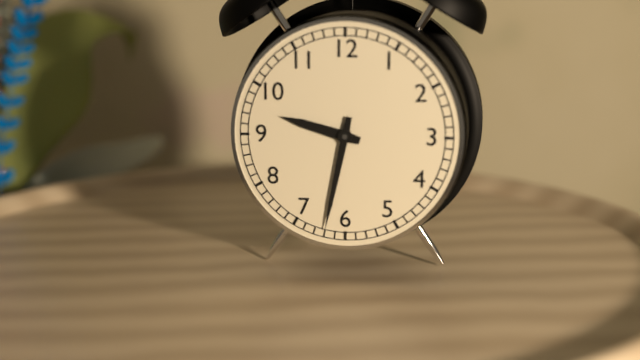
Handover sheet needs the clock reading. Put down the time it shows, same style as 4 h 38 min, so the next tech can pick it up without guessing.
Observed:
9 h 32 min
